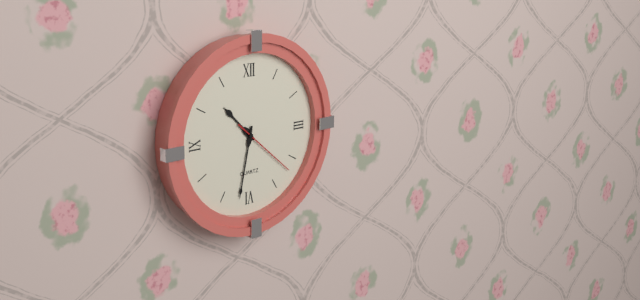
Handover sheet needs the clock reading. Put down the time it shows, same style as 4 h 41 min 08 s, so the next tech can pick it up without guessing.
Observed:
10 h 32 min 22 s
